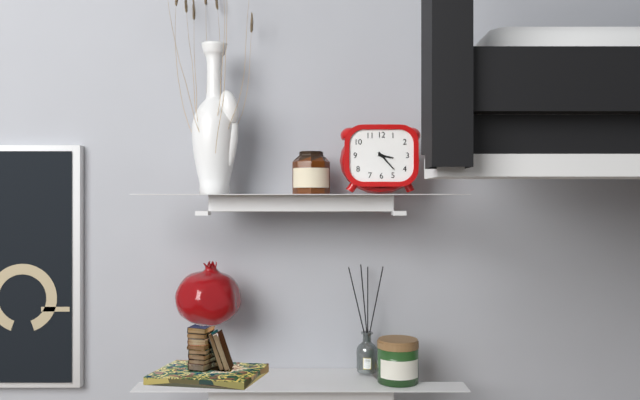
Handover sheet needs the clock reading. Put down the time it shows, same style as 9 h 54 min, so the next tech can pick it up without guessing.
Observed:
3 h 23 min
